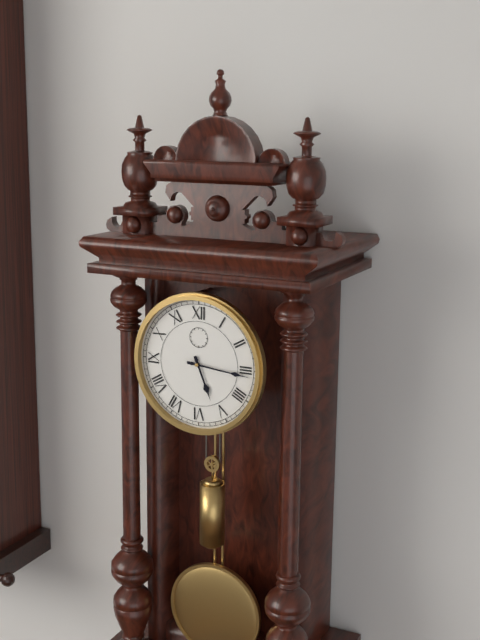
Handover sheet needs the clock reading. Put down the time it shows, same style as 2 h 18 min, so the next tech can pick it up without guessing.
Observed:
5 h 16 min
